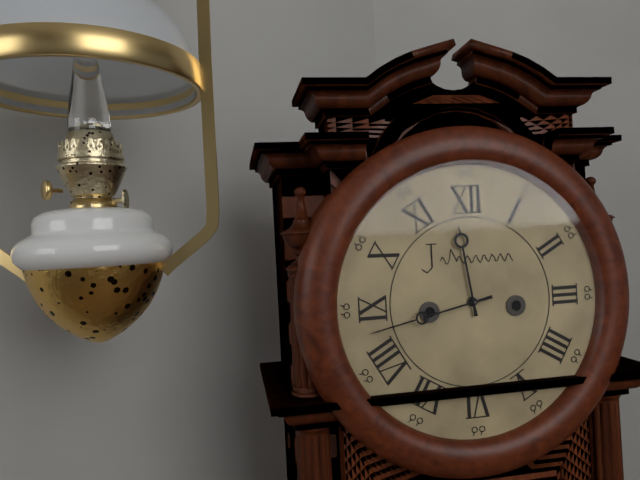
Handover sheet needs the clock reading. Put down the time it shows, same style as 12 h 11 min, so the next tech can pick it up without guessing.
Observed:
11 h 43 min
